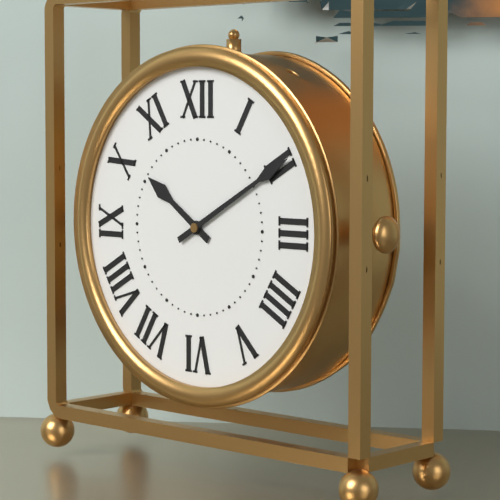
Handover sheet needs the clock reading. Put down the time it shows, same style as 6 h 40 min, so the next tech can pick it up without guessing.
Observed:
10 h 10 min
